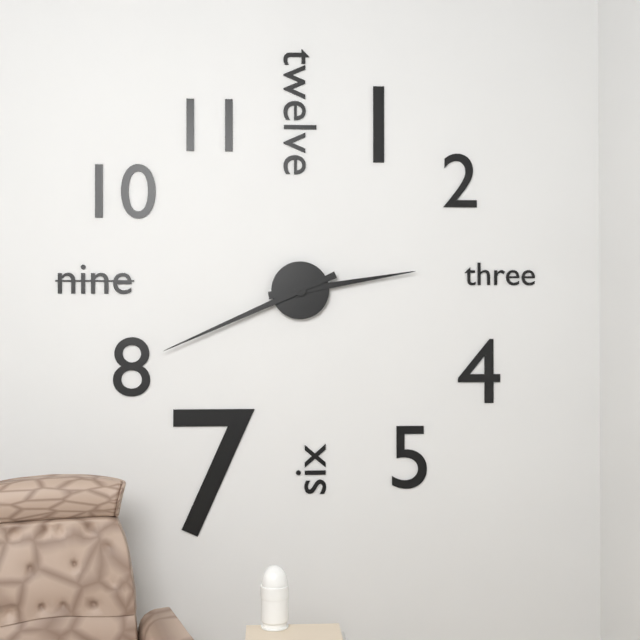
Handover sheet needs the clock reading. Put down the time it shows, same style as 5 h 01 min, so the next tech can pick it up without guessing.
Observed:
2 h 41 min
